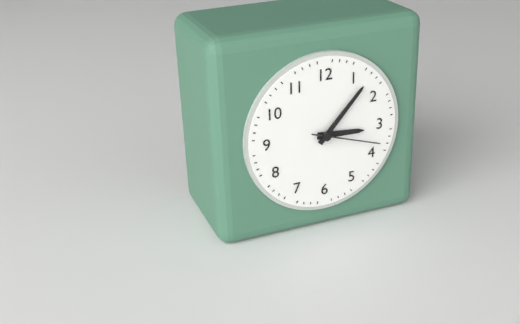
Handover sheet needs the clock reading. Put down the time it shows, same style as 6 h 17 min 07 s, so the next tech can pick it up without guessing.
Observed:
3 h 07 min 18 s
